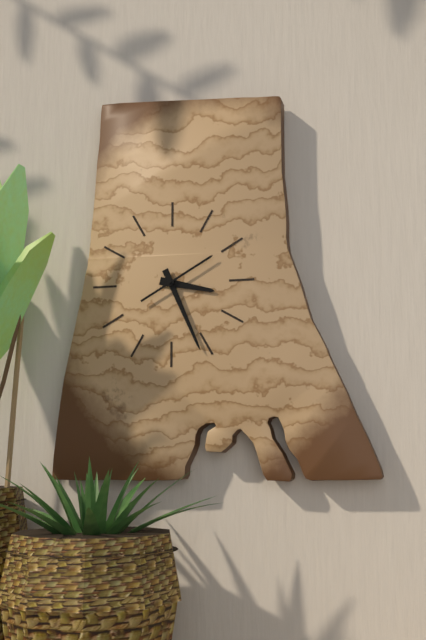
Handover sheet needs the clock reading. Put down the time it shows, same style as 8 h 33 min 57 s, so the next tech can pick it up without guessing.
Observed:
3 h 26 min 10 s
